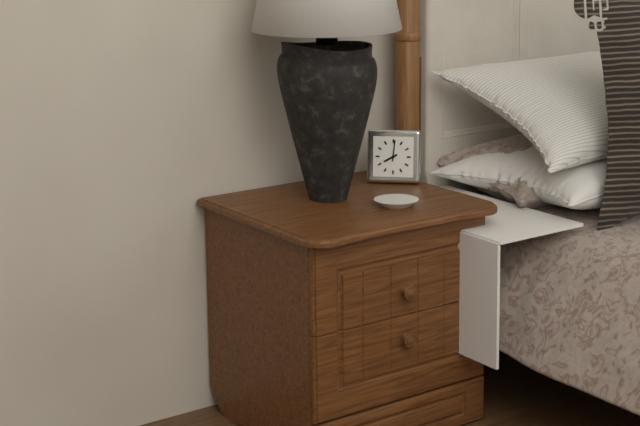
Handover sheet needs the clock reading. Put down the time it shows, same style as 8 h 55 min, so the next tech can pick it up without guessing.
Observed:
8 h 01 min
